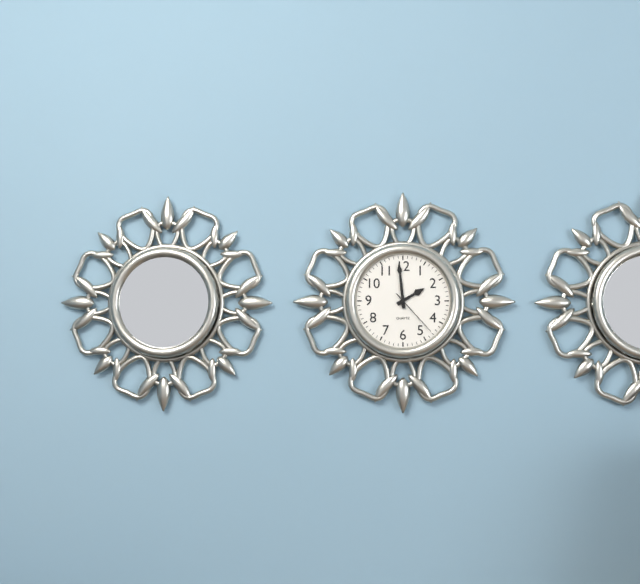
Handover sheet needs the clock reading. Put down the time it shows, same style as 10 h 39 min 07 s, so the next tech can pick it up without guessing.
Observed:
1 h 59 min 23 s
